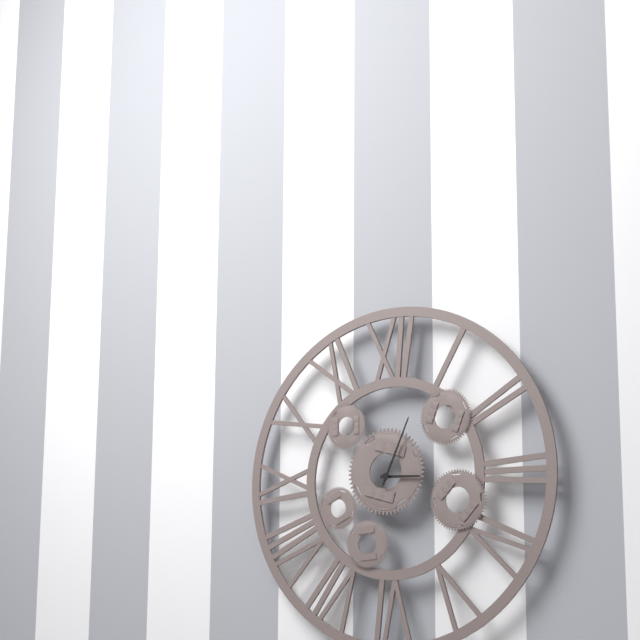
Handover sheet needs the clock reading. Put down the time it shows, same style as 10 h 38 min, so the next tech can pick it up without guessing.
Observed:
3 h 04 min
